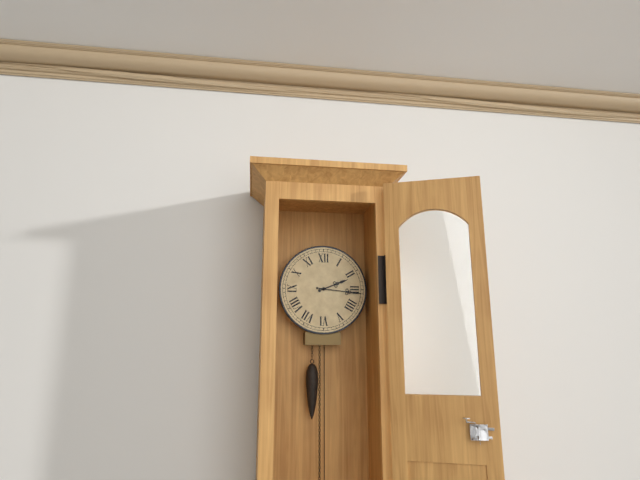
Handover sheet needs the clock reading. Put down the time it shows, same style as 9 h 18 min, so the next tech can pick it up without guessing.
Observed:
2 h 16 min
